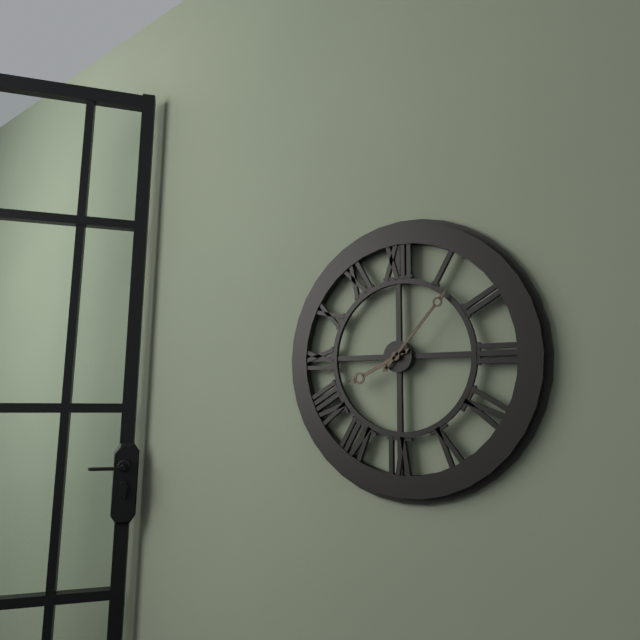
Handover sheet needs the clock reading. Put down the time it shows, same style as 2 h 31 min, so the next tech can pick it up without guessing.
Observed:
8 h 07 min
